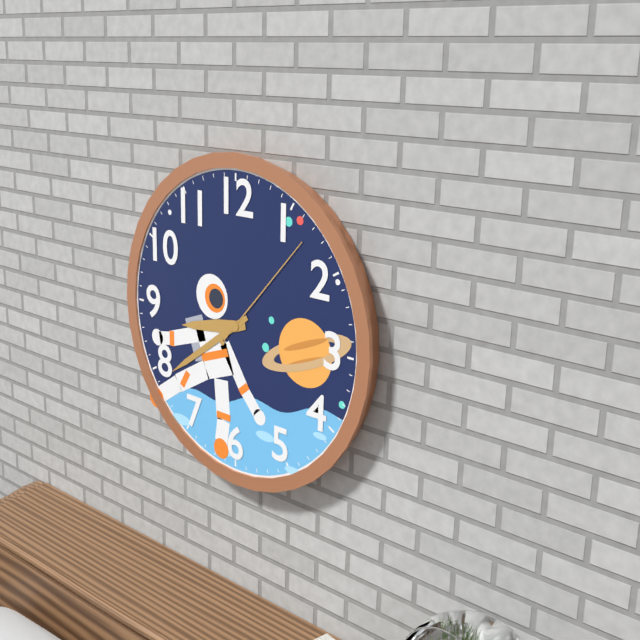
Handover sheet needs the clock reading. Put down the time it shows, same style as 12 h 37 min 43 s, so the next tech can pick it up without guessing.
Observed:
8 h 39 min 07 s
